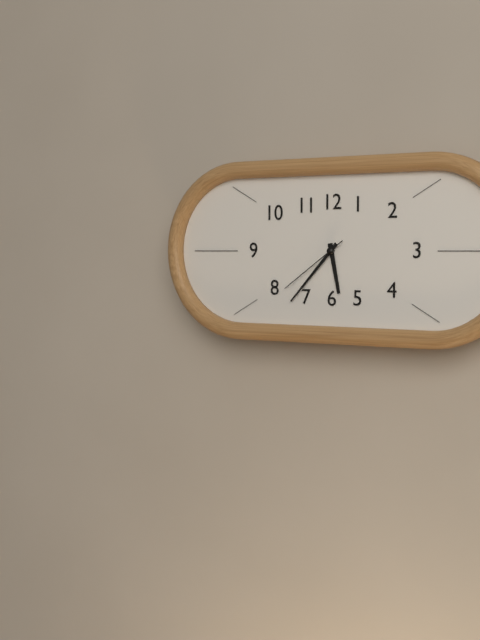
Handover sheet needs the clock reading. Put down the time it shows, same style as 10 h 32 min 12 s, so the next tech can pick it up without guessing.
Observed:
5 h 37 min 39 s
